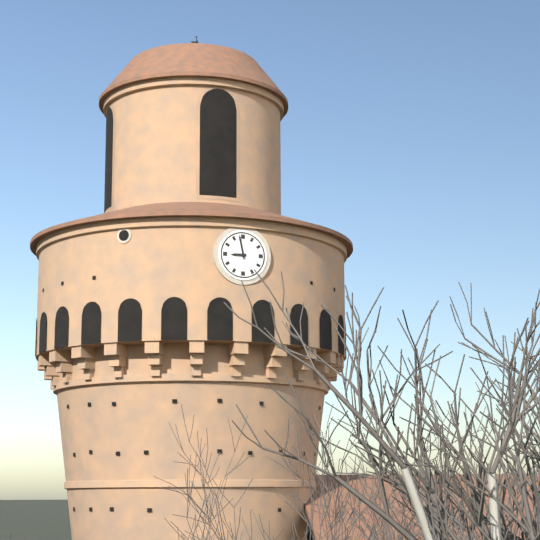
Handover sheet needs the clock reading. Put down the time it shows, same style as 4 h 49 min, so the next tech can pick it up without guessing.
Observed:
8 h 58 min
